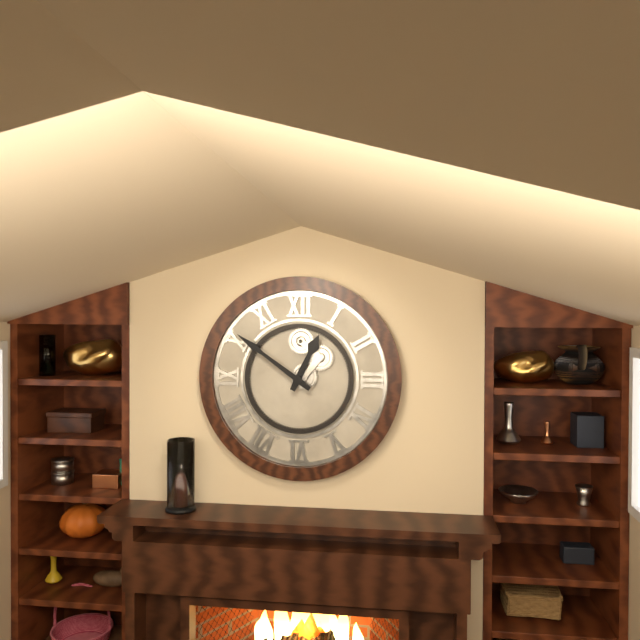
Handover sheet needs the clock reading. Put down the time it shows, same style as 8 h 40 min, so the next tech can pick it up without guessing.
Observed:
12 h 51 min
